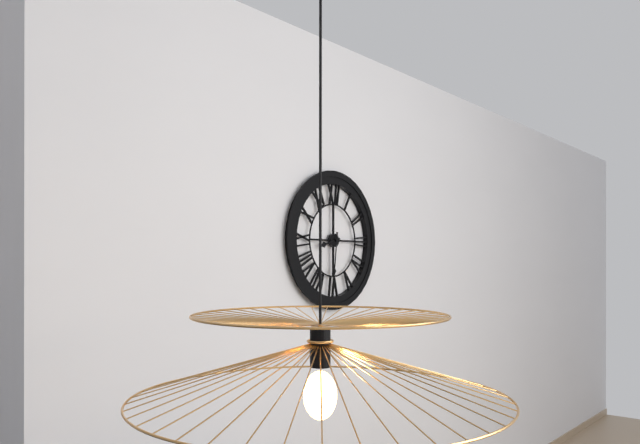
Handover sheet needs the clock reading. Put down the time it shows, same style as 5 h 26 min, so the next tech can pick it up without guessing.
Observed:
8 h 31 min
